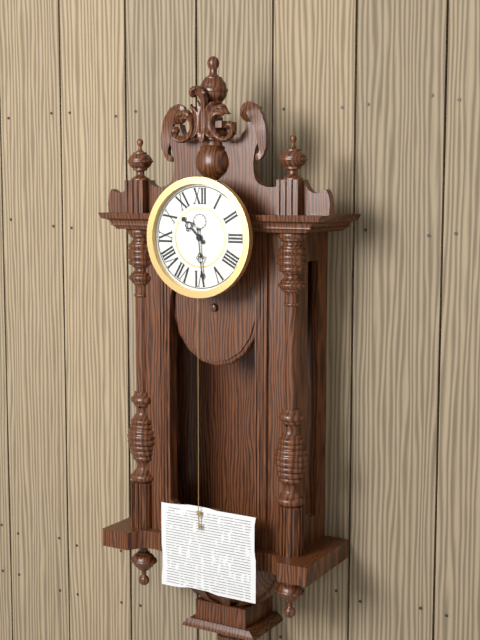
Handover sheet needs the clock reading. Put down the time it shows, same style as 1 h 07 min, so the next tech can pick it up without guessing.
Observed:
10 h 29 min
